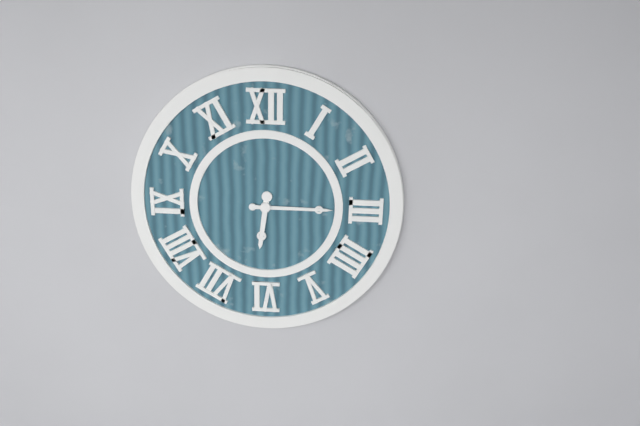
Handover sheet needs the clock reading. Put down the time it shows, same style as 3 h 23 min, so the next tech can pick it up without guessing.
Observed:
6 h 15 min
